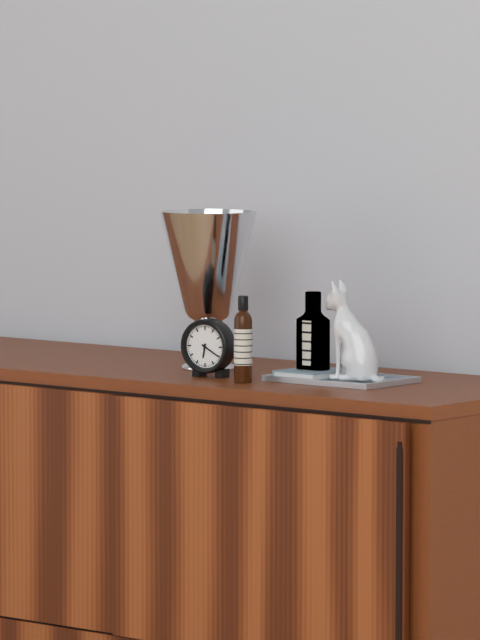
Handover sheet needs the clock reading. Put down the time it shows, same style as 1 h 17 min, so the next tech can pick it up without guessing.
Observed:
6 h 20 min
